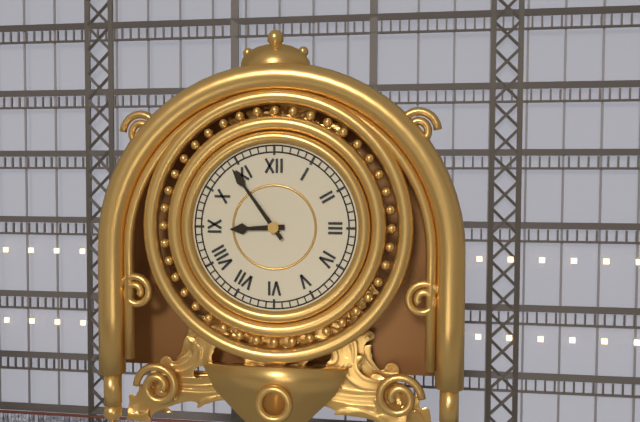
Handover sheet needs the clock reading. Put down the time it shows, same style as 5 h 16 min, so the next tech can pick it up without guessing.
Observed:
8 h 54 min
